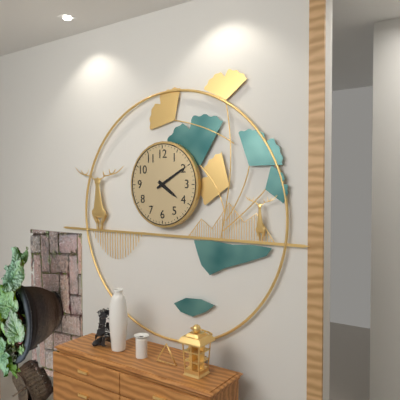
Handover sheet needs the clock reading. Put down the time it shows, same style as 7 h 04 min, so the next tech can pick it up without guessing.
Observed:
4 h 10 min
